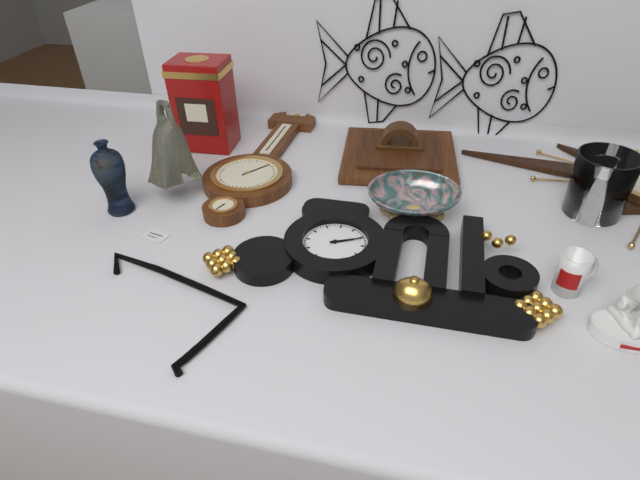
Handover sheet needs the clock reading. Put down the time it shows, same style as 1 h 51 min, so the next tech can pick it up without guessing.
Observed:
2 h 11 min
